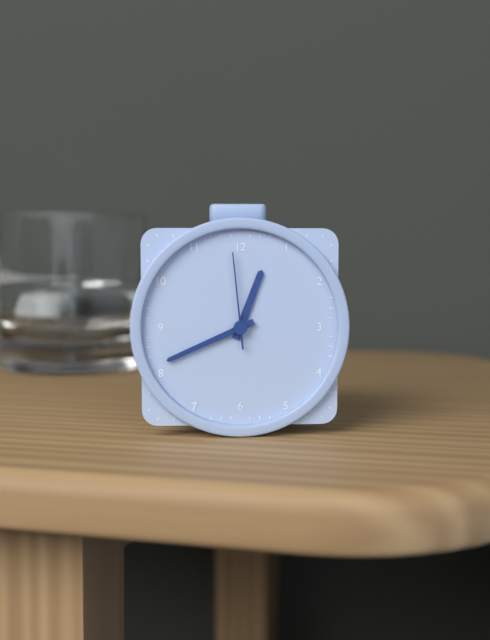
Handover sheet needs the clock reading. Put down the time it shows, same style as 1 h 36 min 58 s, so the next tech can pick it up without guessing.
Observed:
12 h 41 min 59 s
